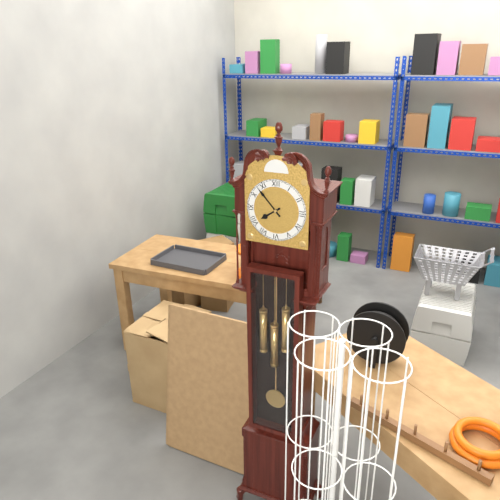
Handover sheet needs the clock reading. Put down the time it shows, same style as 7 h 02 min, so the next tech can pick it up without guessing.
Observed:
7 h 53 min
